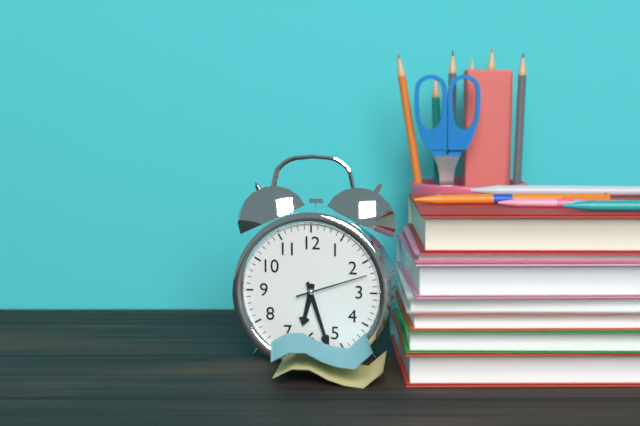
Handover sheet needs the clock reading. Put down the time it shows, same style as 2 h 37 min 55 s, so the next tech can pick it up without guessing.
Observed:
6 h 27 min 12 s
